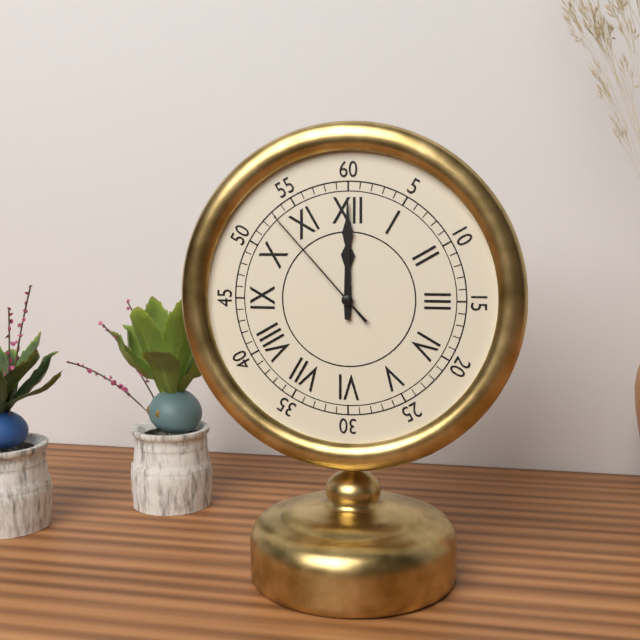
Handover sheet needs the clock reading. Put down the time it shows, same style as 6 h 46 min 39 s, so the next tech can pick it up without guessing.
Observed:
12 h 00 min 53 s
